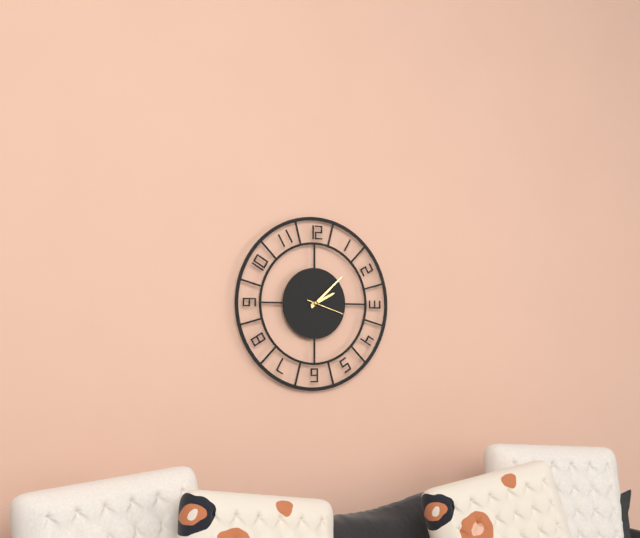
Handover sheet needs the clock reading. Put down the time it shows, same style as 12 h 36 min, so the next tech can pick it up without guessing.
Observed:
2 h 08 min
